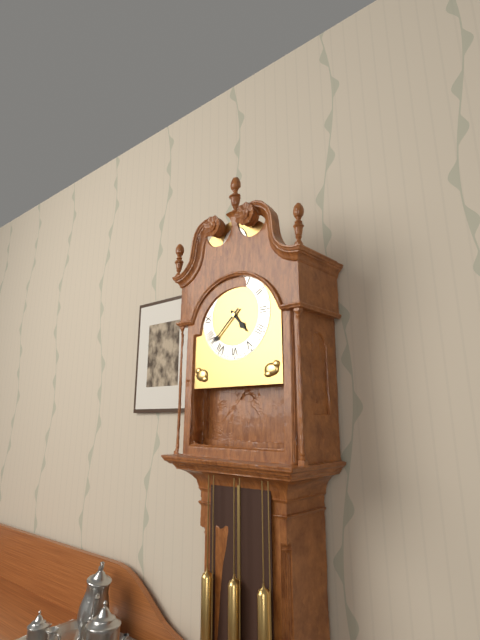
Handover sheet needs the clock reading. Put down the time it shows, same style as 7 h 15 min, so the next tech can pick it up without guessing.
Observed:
4 h 38 min
